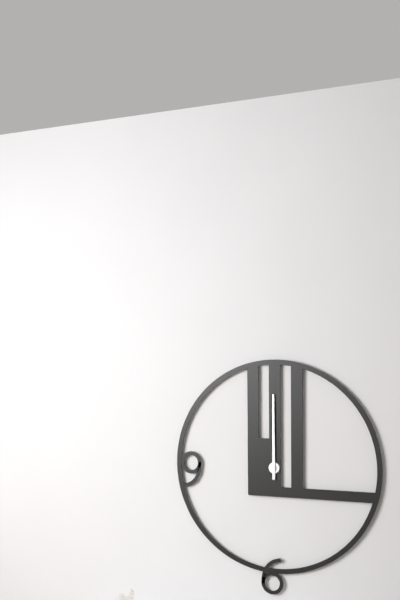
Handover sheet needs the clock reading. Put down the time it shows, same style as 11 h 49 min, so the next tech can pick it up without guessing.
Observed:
12 h 00 min
